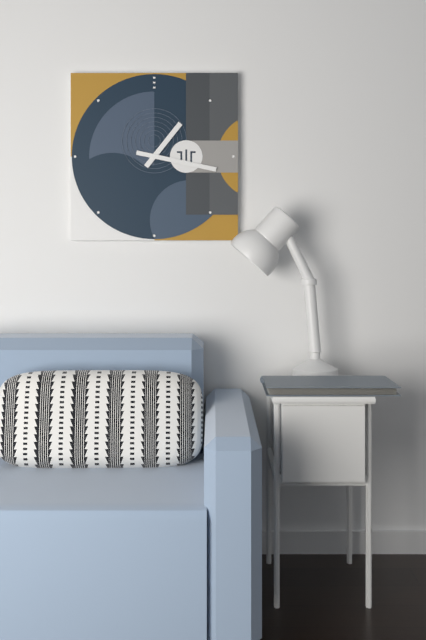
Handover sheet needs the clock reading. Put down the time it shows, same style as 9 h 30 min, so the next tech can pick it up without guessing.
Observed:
1 h 17 min
